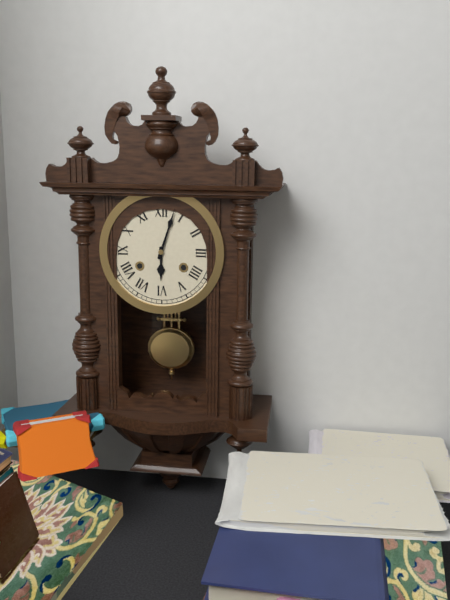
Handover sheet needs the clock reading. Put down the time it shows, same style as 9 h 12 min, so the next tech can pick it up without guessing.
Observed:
6 h 03 min
